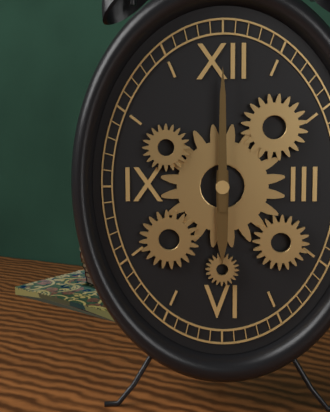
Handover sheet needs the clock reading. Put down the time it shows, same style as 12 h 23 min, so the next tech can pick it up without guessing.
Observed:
6 h 00 min
